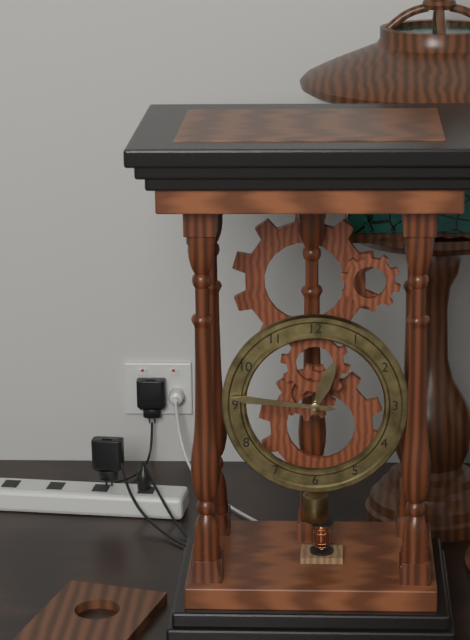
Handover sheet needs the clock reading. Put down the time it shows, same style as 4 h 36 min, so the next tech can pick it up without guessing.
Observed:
12 h 46 min
